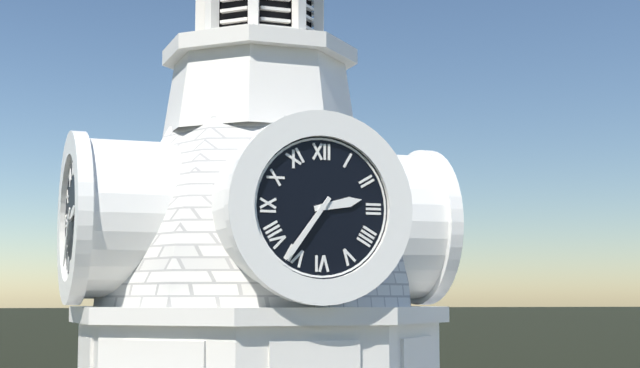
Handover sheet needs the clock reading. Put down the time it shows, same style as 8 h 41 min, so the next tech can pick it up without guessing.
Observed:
2 h 36 min
